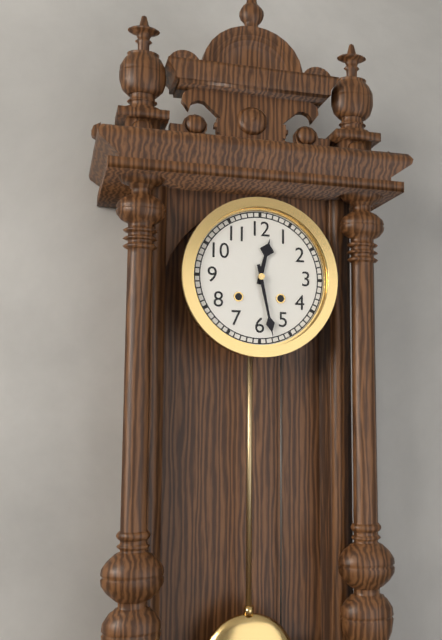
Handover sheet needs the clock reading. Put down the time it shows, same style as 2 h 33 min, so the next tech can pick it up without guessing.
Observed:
12 h 28 min
